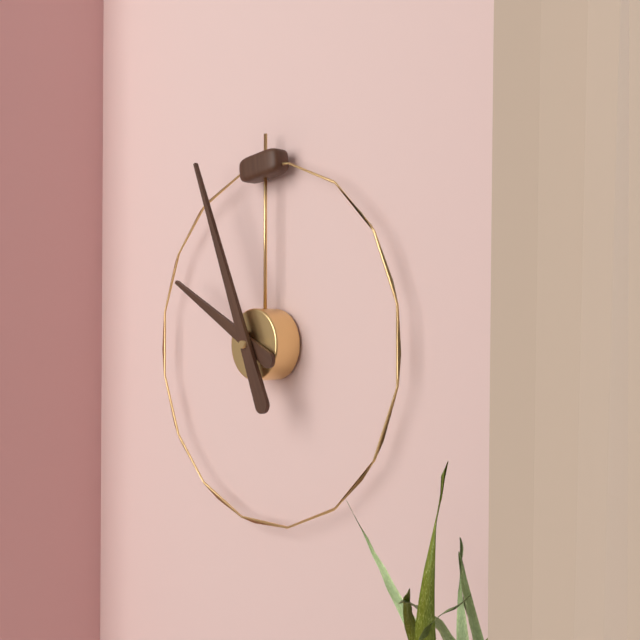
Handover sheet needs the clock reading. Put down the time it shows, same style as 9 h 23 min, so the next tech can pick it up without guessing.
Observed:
9 h 56 min
